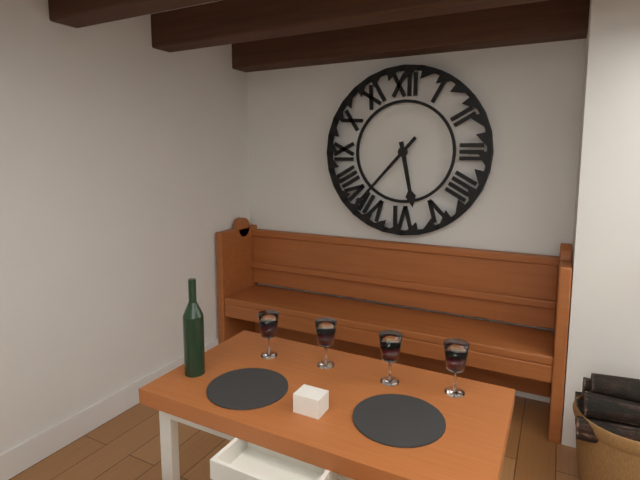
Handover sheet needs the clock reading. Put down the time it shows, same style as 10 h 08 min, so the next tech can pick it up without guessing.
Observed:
5 h 37 min
